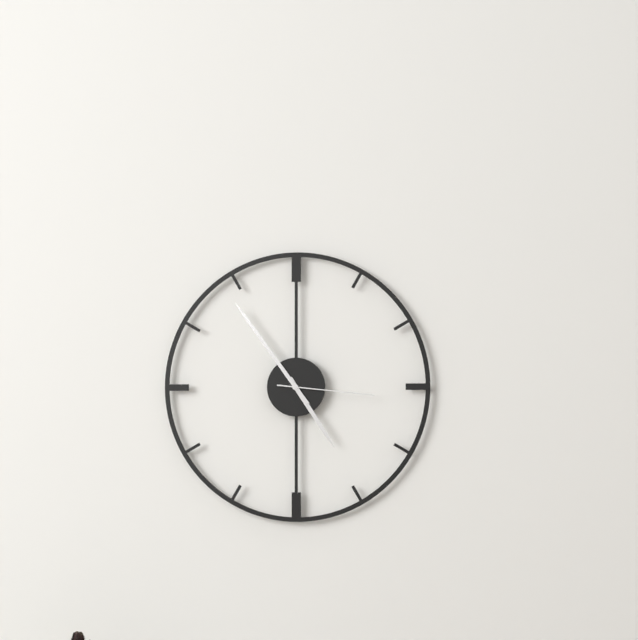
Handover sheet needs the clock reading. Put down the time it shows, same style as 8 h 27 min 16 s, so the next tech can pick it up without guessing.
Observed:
4 h 54 min 16 s
